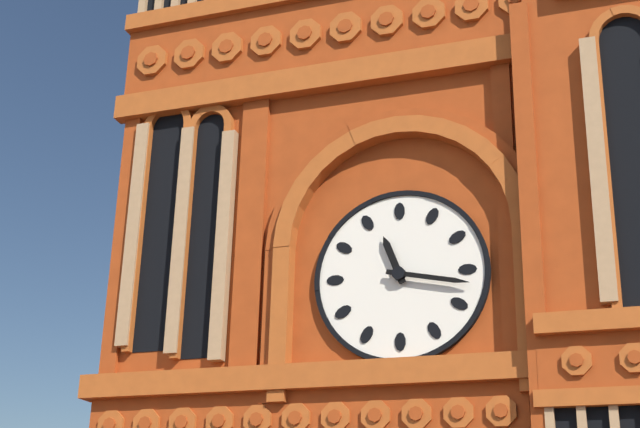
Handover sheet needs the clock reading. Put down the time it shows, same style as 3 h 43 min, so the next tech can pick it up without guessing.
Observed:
11 h 17 min
